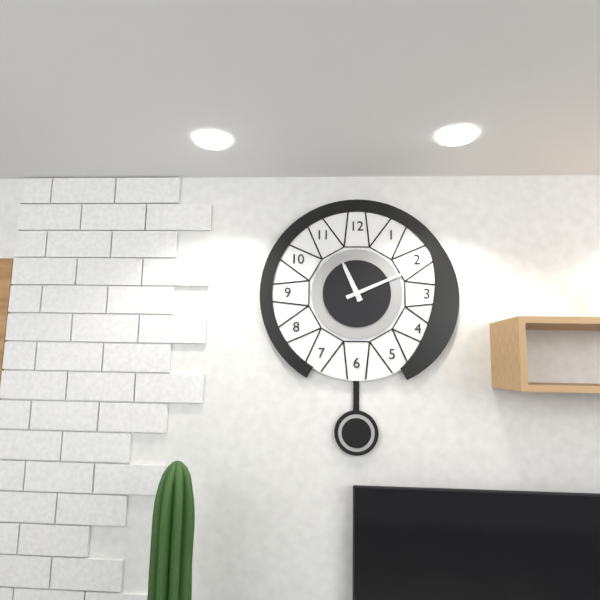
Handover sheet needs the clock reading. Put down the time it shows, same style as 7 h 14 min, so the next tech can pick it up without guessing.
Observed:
11 h 11 min
